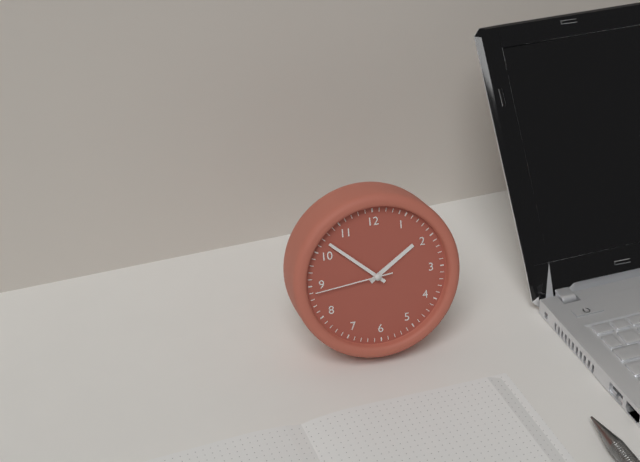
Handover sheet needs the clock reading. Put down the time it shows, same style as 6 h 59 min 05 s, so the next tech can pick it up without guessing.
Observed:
1 h 52 min 44 s
